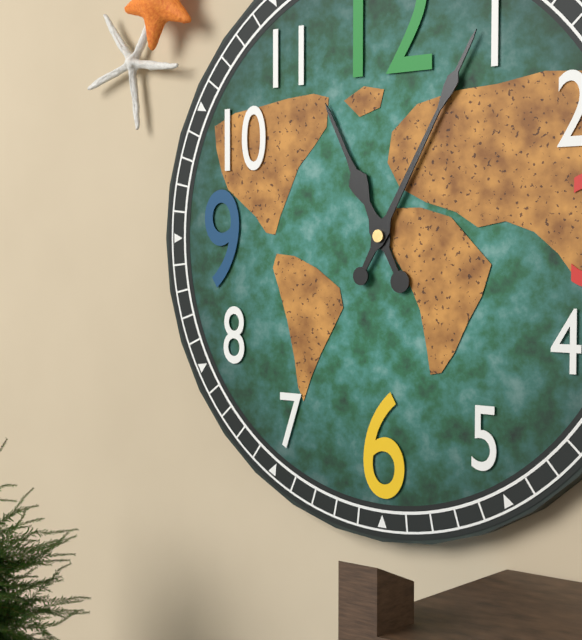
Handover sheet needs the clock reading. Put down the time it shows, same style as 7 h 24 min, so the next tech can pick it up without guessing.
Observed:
11 h 05 min
